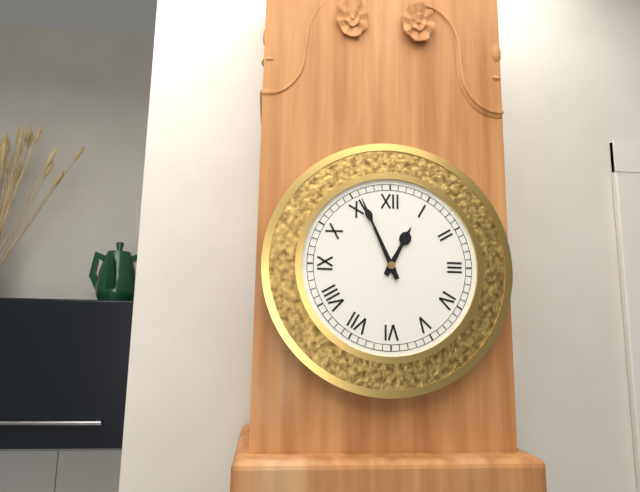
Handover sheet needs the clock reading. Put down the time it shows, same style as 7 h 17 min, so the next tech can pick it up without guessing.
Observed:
12 h 56 min
